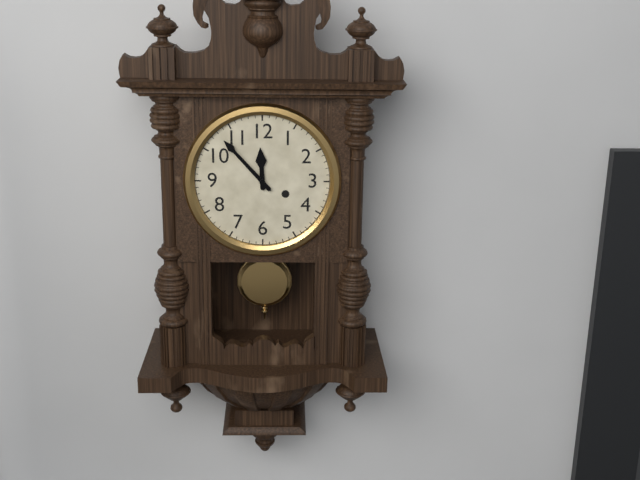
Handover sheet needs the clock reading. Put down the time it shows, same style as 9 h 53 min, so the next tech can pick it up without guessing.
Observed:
11 h 53 min
